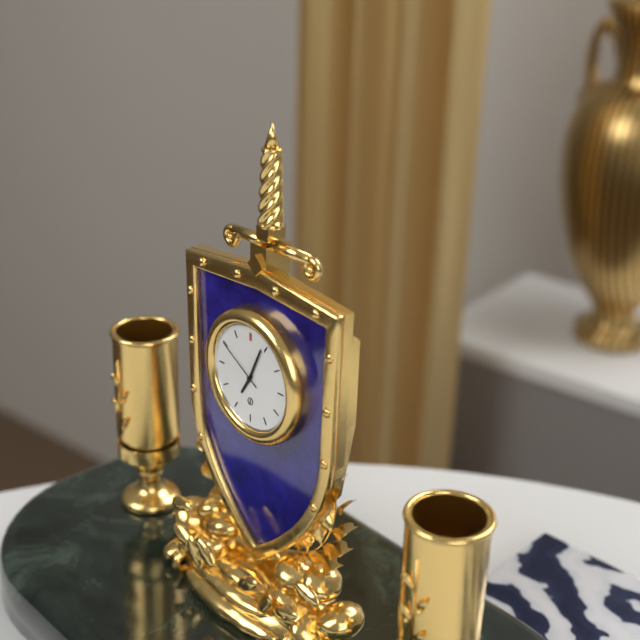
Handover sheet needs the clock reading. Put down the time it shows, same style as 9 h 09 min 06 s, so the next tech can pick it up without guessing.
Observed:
7 h 04 min 50 s
